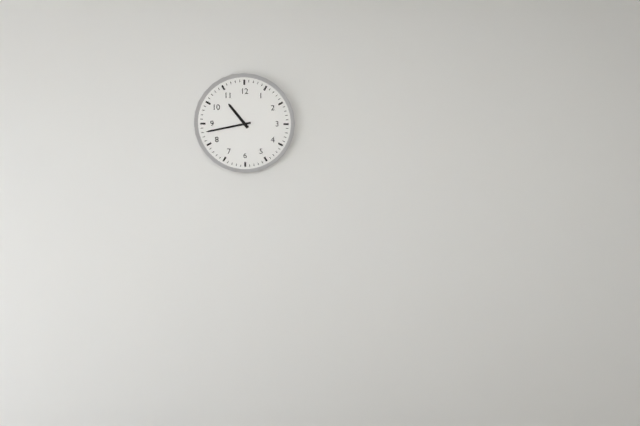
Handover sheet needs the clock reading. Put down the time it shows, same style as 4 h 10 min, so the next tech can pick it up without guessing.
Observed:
10 h 43 min
